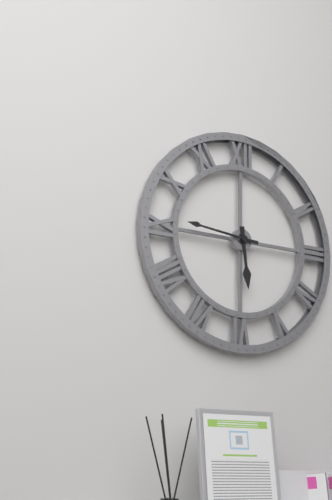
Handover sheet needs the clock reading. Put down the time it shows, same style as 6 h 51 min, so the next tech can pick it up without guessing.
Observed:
5 h 46 min
